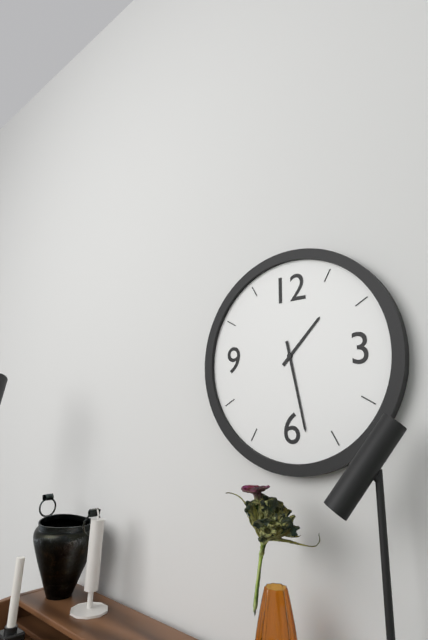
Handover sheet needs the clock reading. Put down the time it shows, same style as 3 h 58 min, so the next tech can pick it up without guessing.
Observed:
1 h 28 min
